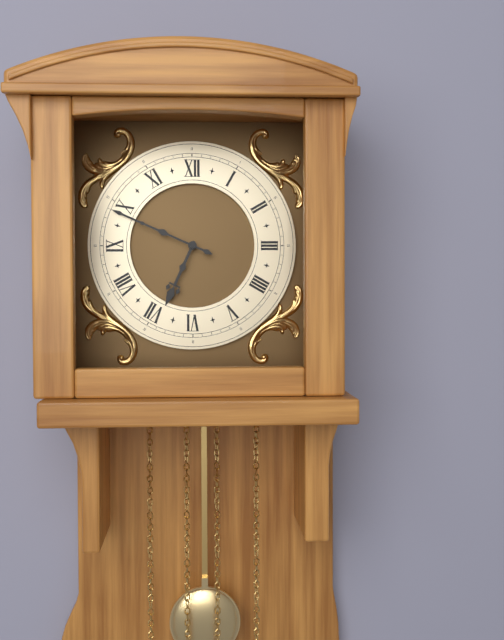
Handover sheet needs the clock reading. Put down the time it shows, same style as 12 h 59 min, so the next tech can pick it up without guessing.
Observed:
6 h 49 min
